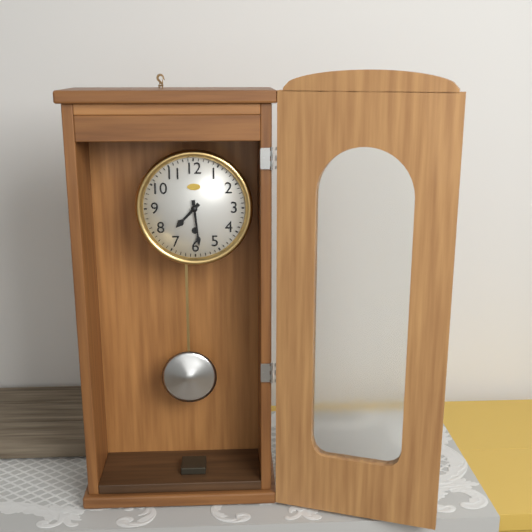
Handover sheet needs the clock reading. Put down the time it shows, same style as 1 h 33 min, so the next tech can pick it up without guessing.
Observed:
7 h 29 min
